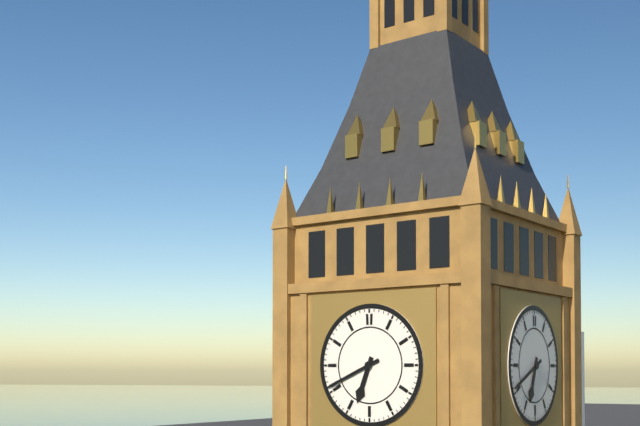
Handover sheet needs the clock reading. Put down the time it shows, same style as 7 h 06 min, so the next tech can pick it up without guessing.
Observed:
6 h 41 min
